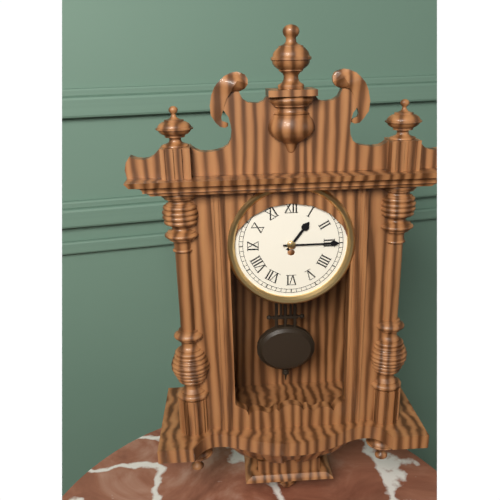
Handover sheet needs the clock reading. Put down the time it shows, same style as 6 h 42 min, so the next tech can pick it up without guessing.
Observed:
1 h 15 min
